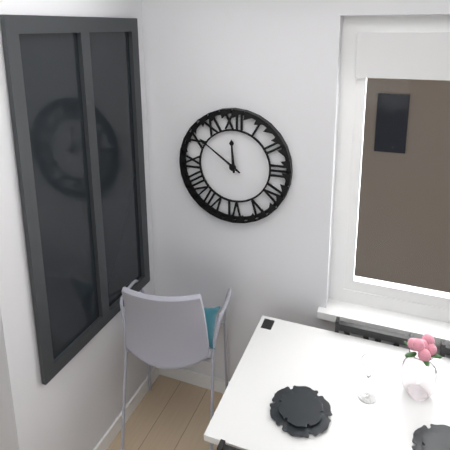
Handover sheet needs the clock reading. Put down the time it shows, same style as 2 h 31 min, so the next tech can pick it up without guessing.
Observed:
11 h 51 min
